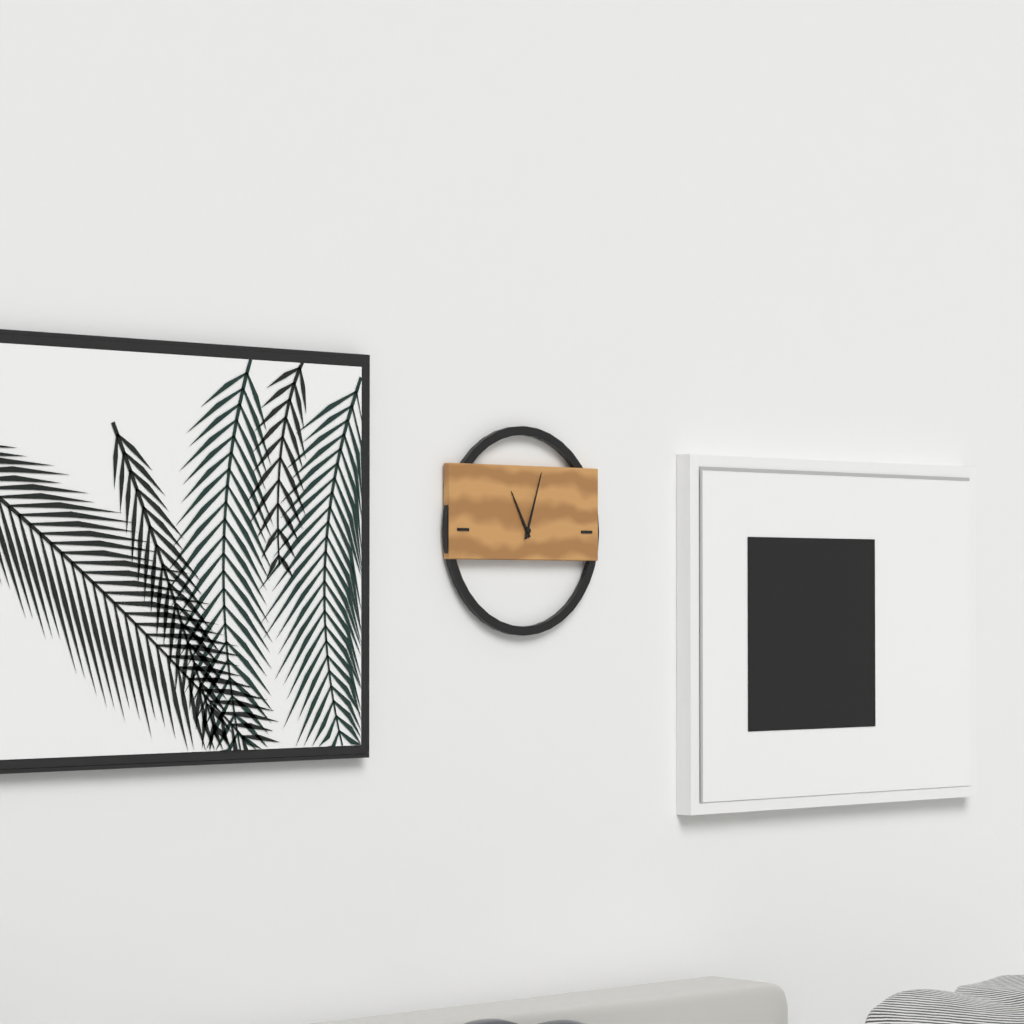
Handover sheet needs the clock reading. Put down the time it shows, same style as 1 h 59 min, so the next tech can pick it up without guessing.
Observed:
11 h 03 min
